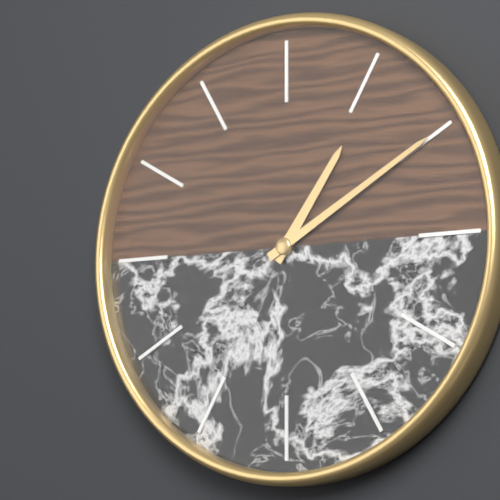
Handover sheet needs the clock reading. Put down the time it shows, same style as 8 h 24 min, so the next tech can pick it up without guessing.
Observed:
1 h 10 min
